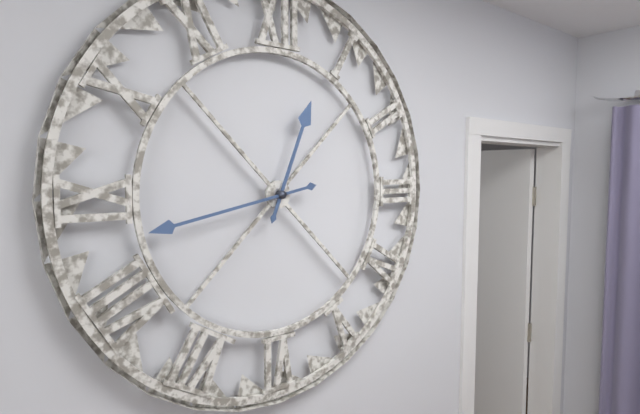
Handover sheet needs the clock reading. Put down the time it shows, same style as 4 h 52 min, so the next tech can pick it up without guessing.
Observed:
12 h 43 min
